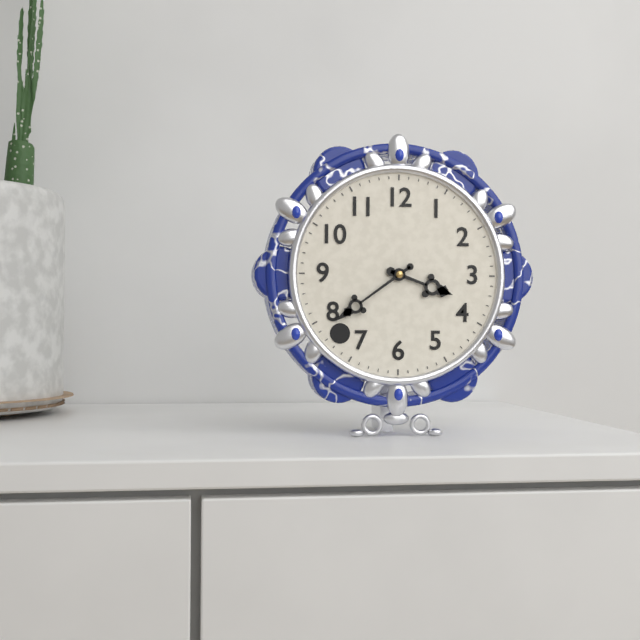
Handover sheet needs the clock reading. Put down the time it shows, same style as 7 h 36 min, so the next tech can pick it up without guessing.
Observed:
3 h 39 min
